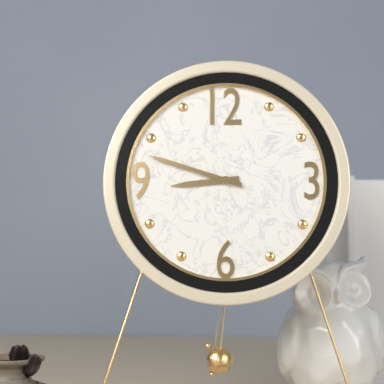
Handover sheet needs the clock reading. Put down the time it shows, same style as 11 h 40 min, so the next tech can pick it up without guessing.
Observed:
8 h 48 min
